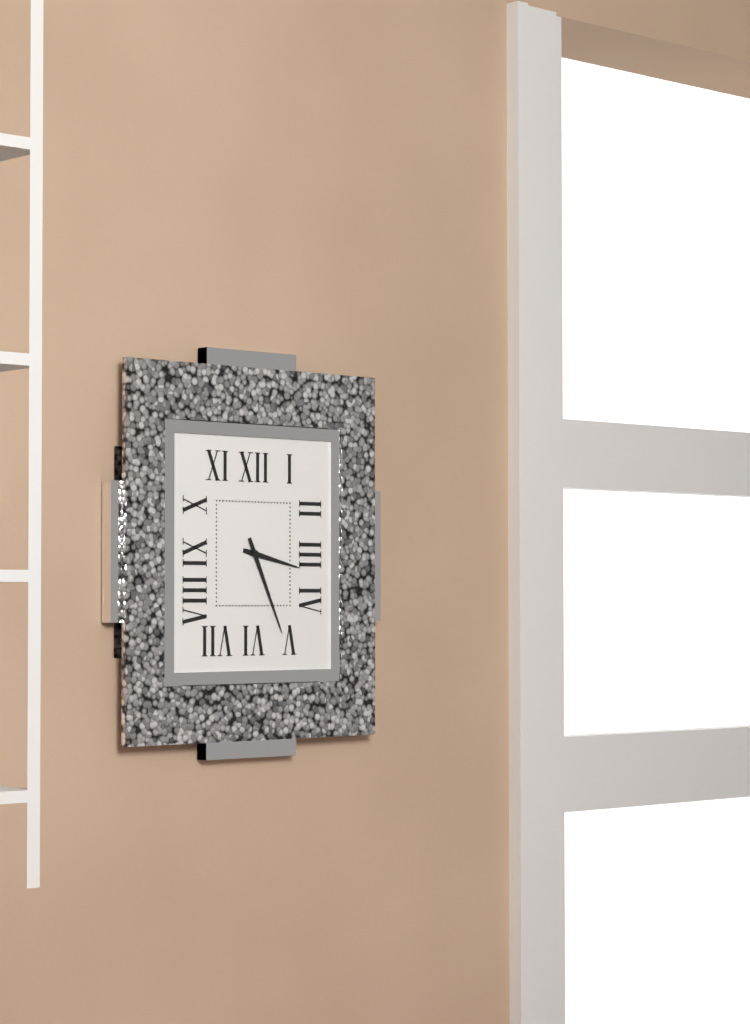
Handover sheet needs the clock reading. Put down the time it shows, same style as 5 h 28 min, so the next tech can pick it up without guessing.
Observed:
3 h 26 min
